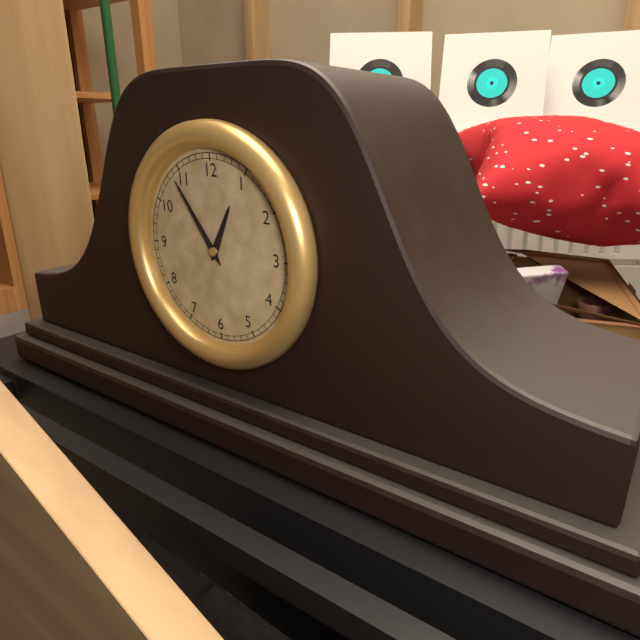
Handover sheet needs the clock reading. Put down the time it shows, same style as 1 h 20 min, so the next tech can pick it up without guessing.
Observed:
12 h 54 min
